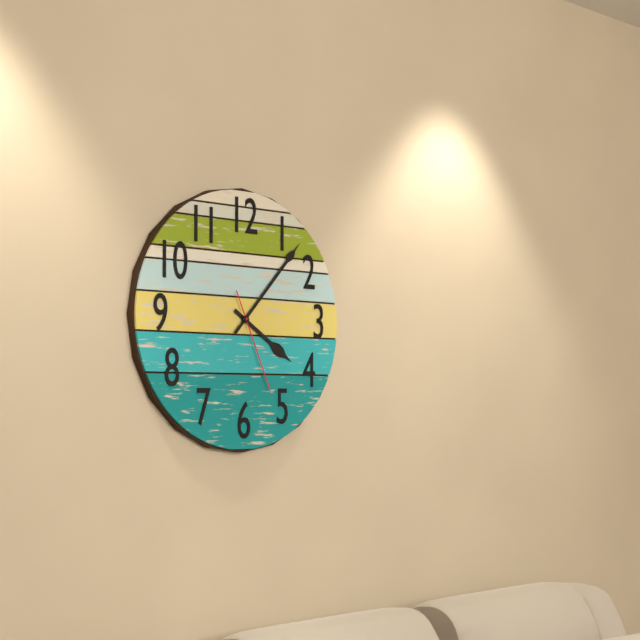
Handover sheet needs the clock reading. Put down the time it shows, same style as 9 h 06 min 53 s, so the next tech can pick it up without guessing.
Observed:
4 h 07 min 26 s
